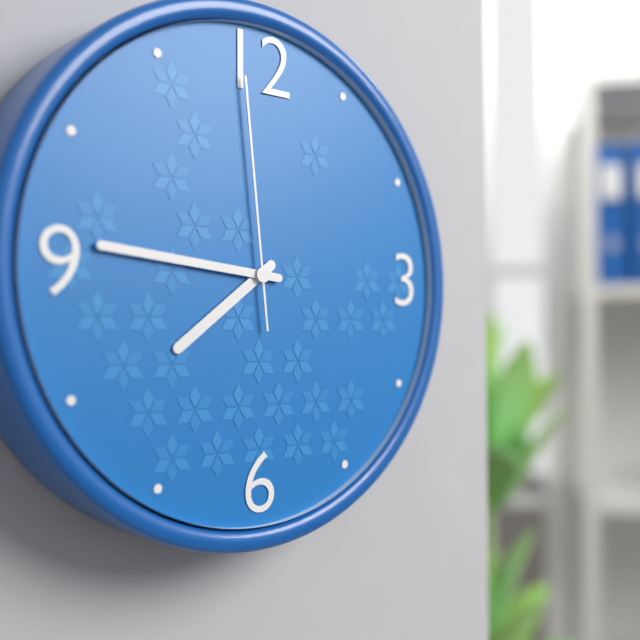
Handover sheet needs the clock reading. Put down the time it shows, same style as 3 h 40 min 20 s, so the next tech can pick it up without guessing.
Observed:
7 h 46 min 59 s
